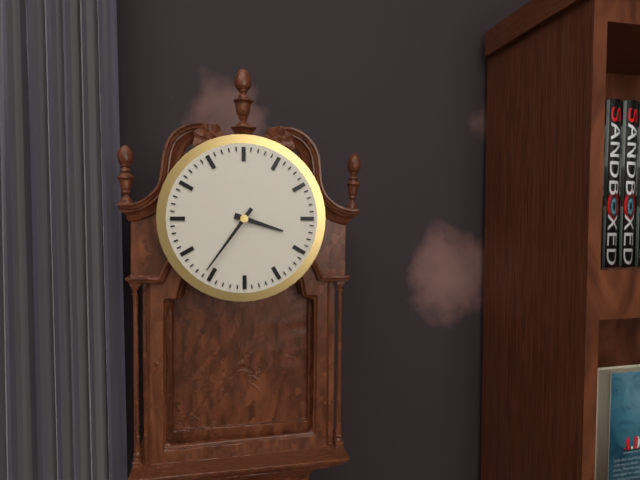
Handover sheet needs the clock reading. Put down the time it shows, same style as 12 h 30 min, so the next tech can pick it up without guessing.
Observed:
3 h 36 min
